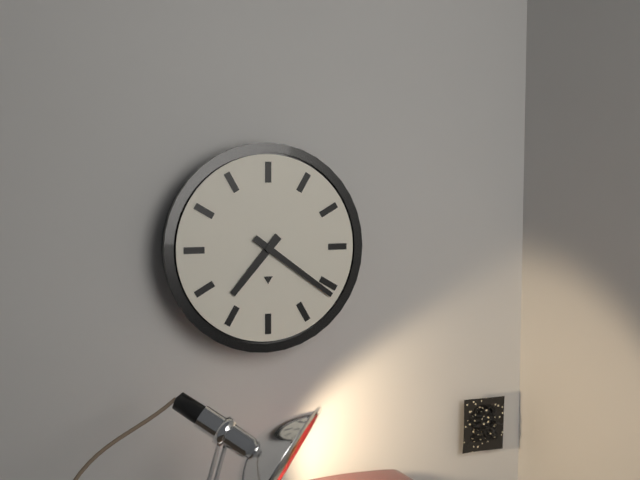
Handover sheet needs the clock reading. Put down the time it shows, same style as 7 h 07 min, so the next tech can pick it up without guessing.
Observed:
7 h 21 min
